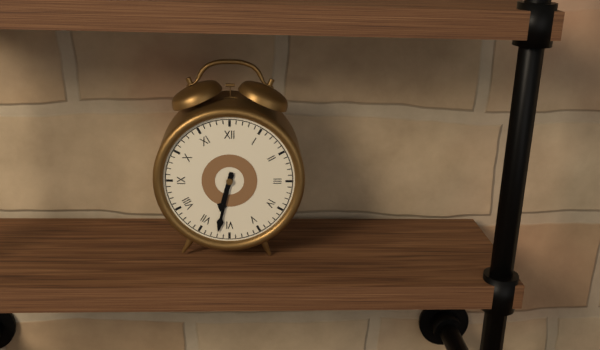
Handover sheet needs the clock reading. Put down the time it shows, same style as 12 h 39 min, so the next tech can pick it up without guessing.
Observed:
6 h 32 min
